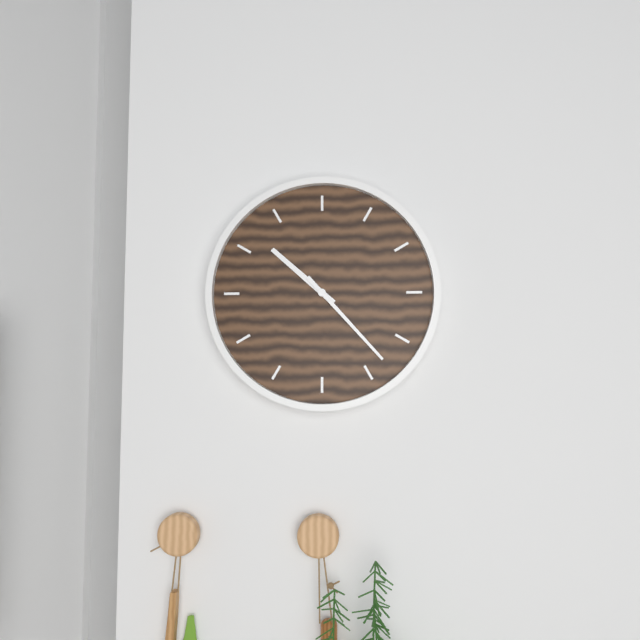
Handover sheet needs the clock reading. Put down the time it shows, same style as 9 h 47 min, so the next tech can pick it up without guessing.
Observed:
10 h 23 min
